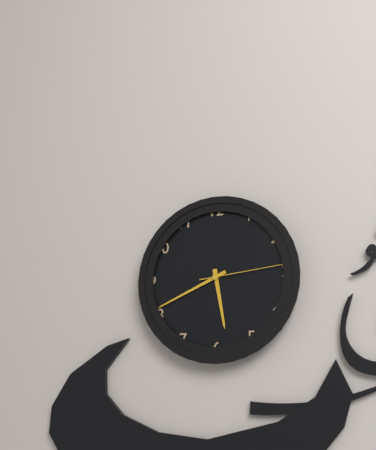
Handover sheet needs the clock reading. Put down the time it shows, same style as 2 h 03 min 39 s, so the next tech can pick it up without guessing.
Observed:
5 h 41 min 14 s
